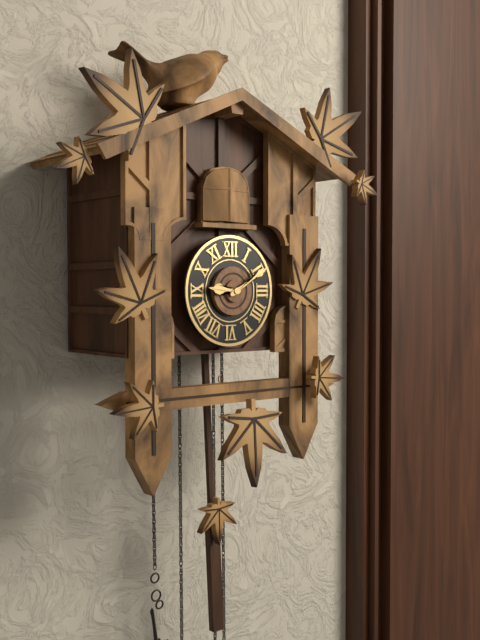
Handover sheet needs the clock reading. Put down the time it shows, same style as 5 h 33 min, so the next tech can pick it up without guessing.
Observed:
9 h 10 min
